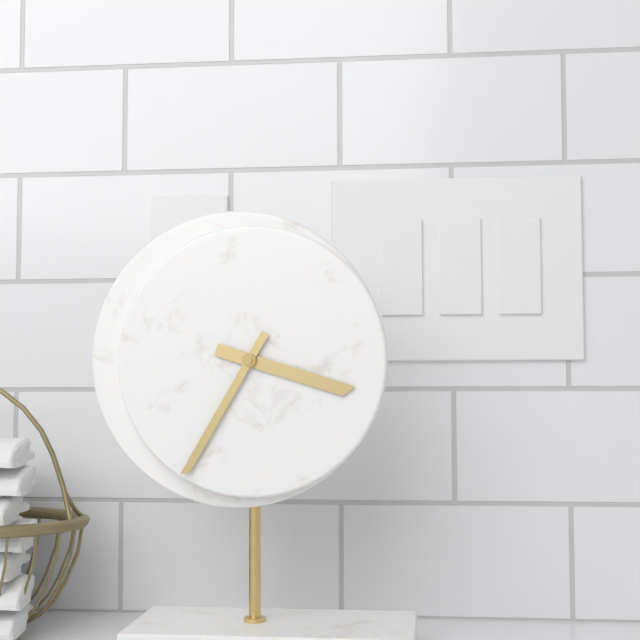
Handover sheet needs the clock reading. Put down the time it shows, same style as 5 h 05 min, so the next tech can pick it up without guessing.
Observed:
3 h 35 min
